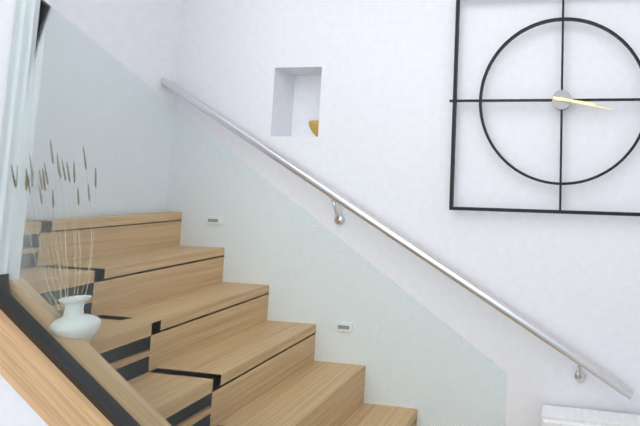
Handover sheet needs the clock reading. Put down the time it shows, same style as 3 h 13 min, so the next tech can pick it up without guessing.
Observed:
3 h 17 min
